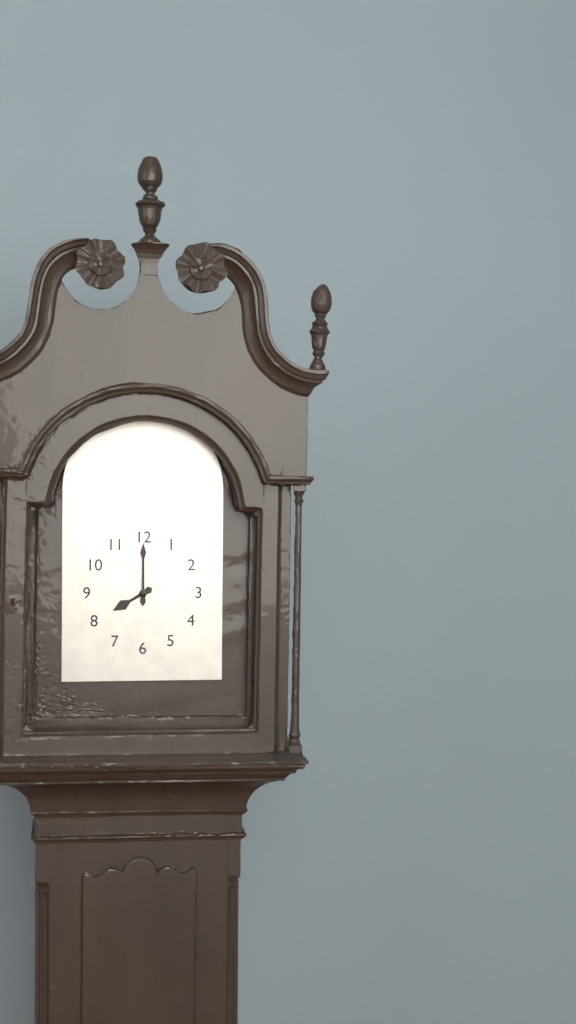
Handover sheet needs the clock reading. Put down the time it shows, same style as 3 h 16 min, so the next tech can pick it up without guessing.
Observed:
8 h 00 min
